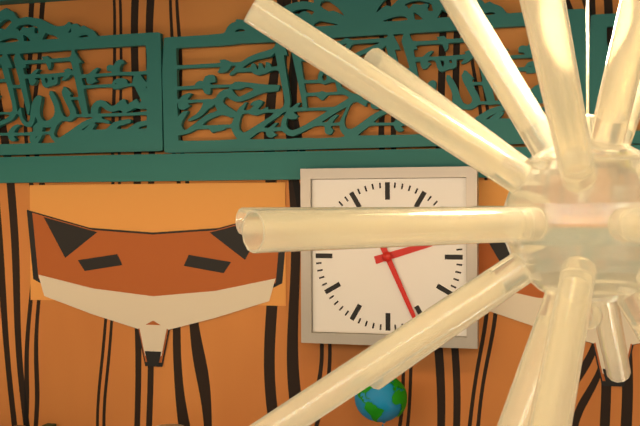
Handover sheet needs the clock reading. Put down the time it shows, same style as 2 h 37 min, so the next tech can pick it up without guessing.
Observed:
2 h 26 min
